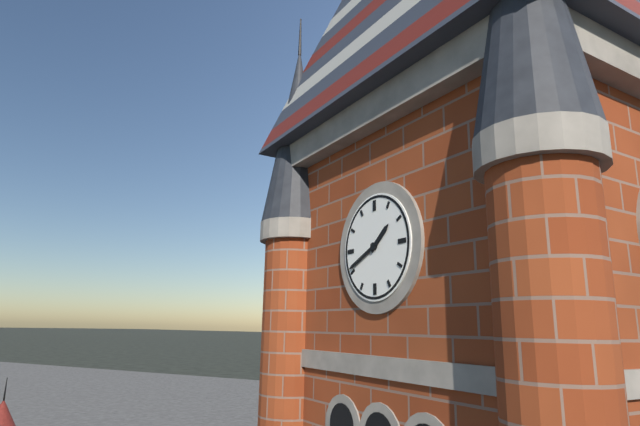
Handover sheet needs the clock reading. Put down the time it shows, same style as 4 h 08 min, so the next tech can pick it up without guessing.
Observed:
1 h 41 min
